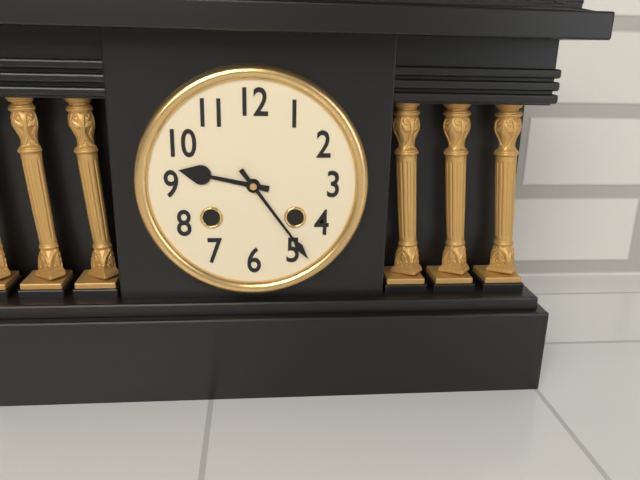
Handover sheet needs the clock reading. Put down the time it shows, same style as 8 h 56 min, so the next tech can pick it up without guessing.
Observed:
9 h 24 min
